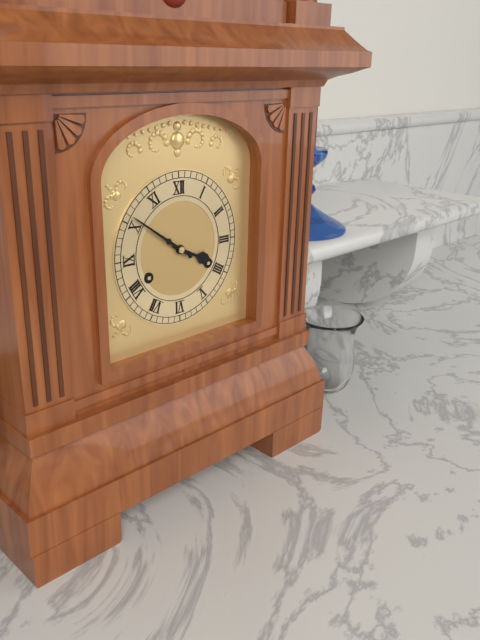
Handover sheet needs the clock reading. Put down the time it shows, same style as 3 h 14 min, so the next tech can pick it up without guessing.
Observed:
3 h 51 min
